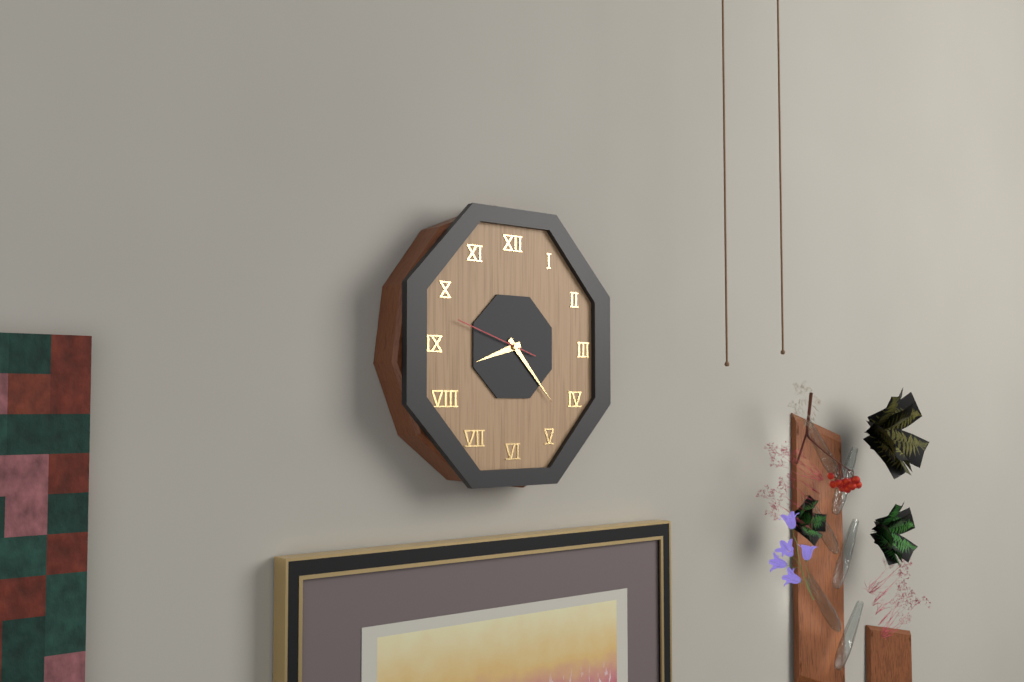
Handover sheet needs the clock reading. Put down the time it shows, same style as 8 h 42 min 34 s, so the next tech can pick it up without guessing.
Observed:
8 h 23 min 48 s
